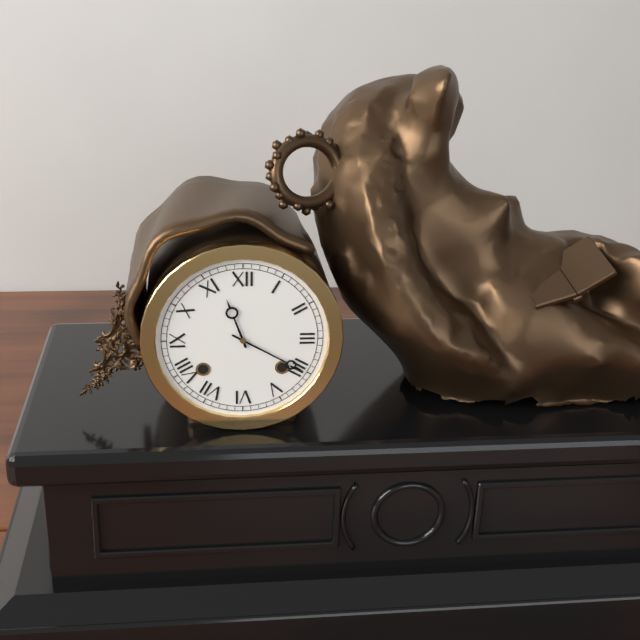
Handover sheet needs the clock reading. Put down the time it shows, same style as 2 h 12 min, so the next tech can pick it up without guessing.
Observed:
11 h 20 min
